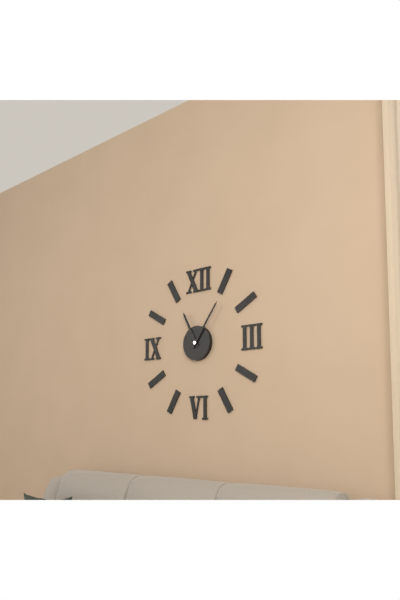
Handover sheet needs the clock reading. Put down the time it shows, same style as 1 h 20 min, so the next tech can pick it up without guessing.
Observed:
11 h 06 min
